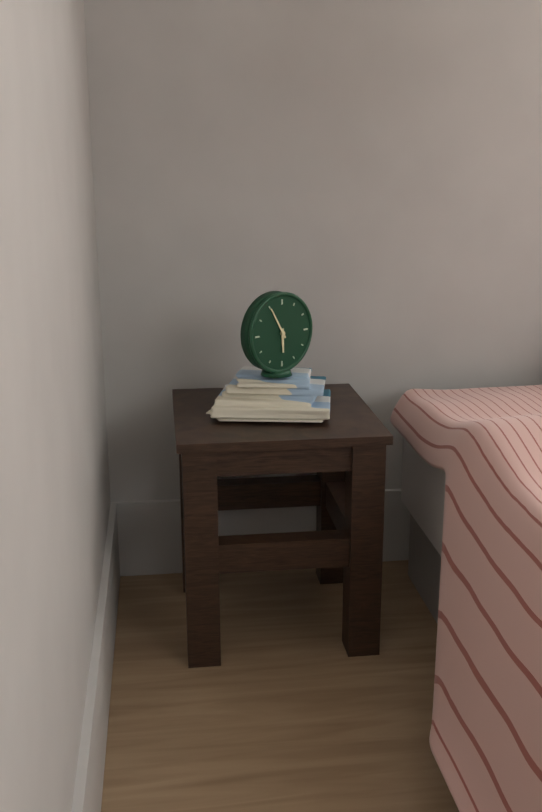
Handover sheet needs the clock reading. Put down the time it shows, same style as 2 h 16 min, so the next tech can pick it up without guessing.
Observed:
5 h 55 min
